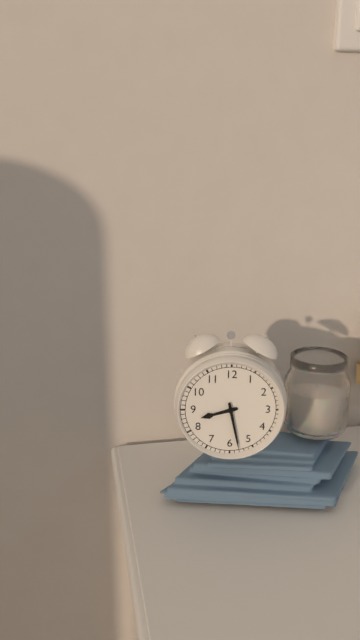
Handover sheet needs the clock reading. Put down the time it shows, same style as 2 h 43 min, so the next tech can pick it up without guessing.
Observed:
8 h 28 min
